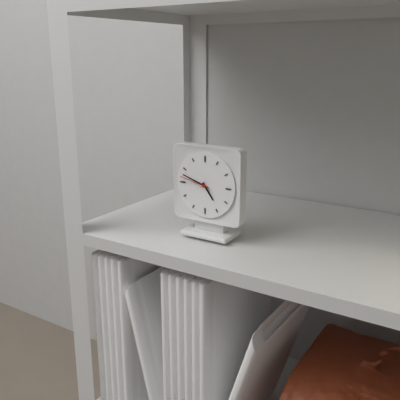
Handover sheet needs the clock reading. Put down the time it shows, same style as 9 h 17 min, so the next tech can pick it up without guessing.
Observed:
4 h 48 min
